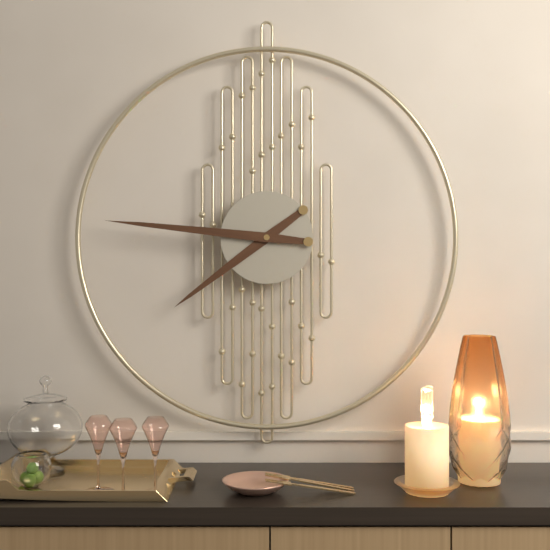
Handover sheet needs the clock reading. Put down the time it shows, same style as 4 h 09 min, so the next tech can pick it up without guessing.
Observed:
7 h 46 min
